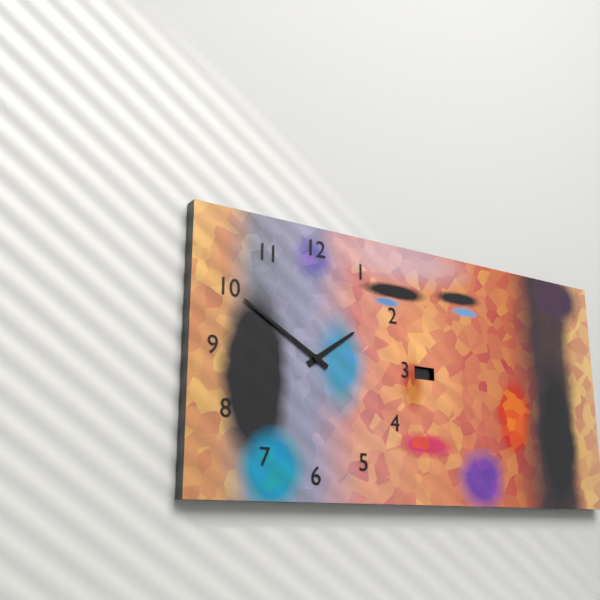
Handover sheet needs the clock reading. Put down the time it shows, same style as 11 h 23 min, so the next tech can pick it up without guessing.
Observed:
1 h 50 min
